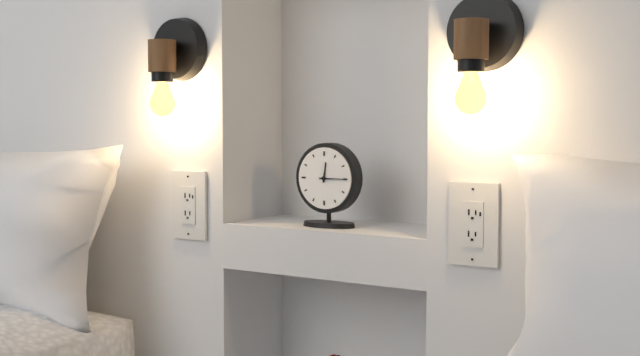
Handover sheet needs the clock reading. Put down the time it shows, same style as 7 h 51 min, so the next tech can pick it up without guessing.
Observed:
12 h 15 min
